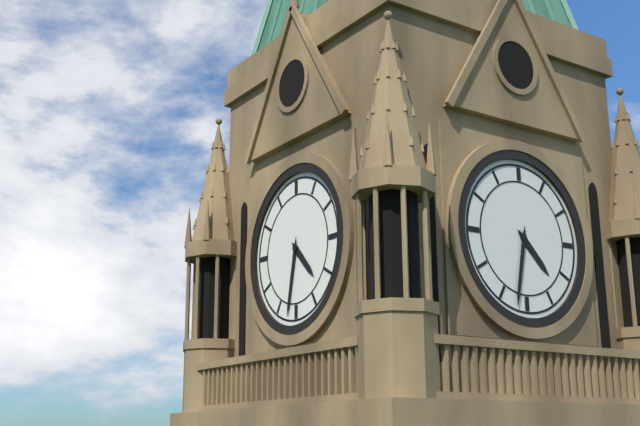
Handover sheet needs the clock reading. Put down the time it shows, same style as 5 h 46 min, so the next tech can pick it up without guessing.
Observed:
4 h 32 min
